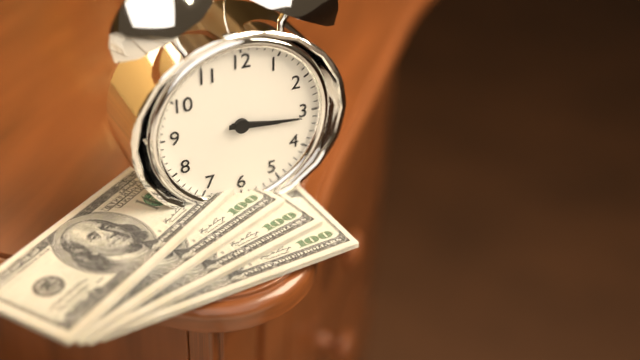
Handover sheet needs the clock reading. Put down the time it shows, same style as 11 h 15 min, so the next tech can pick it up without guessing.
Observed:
3 h 16 min
